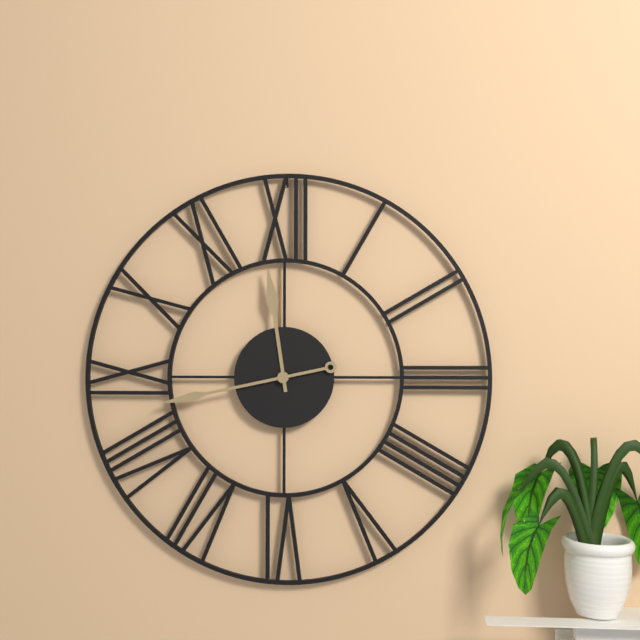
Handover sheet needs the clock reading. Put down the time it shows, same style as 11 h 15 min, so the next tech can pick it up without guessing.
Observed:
11 h 43 min
